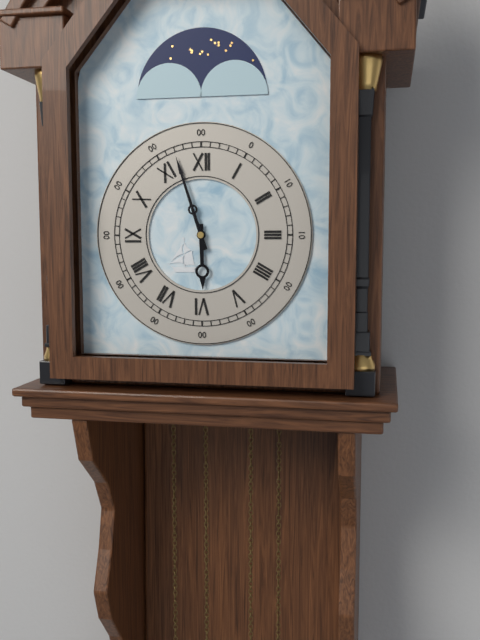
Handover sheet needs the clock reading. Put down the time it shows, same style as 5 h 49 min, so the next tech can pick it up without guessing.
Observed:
5 h 57 min
